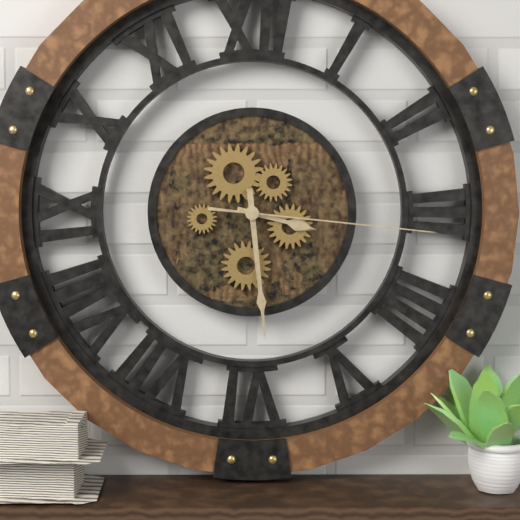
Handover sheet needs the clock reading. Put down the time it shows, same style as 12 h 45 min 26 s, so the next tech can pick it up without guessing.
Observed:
3 h 29 min 16 s
